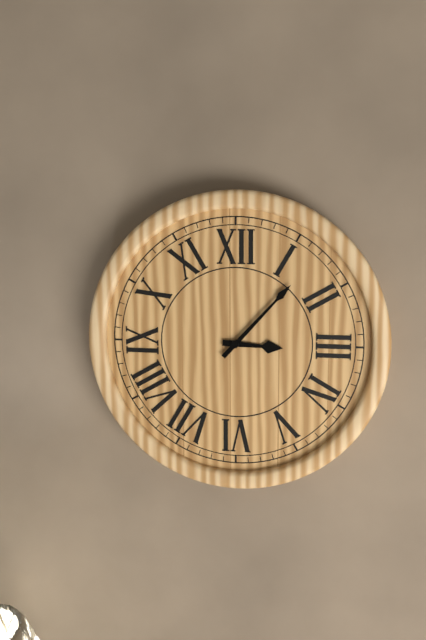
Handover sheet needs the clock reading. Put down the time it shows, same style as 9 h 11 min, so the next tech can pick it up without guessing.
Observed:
3 h 07 min
